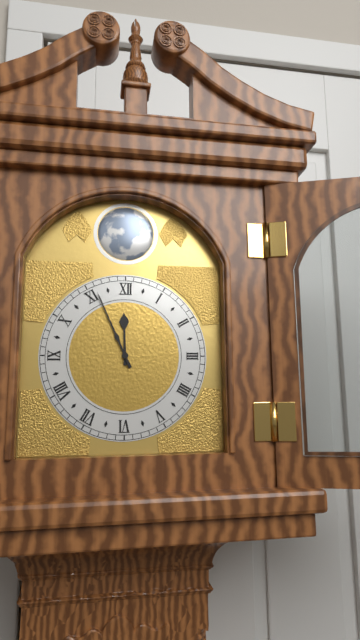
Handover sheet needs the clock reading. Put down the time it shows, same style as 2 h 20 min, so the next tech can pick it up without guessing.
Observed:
11 h 56 min
